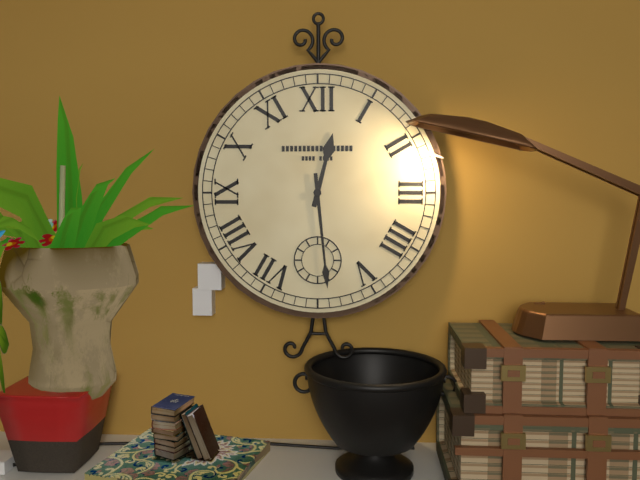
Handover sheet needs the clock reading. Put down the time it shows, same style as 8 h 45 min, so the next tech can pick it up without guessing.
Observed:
12 h 29 min
